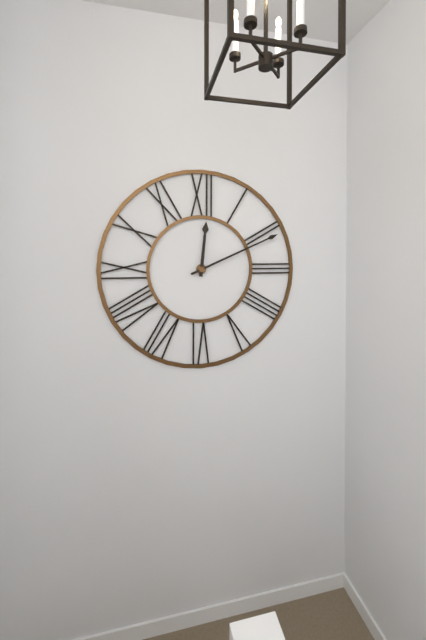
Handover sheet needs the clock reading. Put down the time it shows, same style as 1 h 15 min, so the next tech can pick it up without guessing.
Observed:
12 h 11 min
